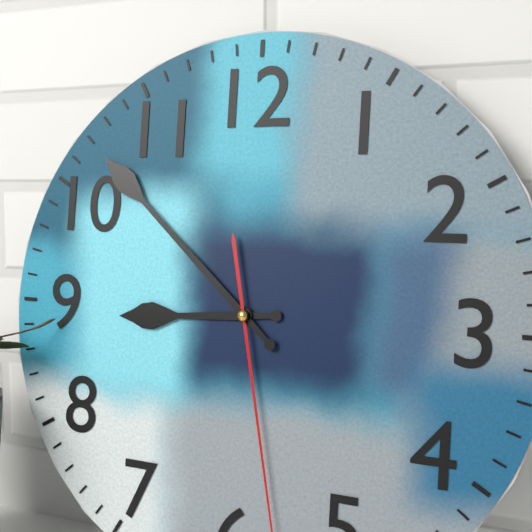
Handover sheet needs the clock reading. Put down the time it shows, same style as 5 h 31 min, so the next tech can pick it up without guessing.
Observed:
8 h 52 min
